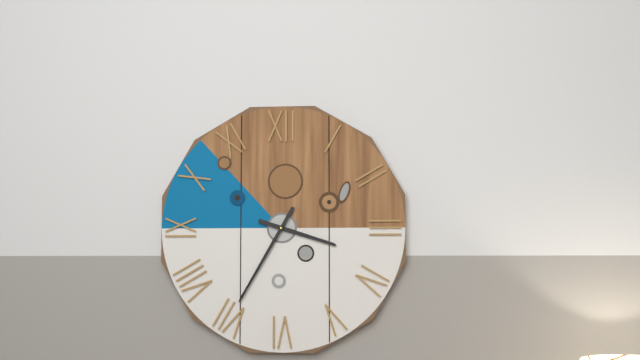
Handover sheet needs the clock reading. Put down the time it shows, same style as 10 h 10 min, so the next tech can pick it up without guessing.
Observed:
3 h 35 min
